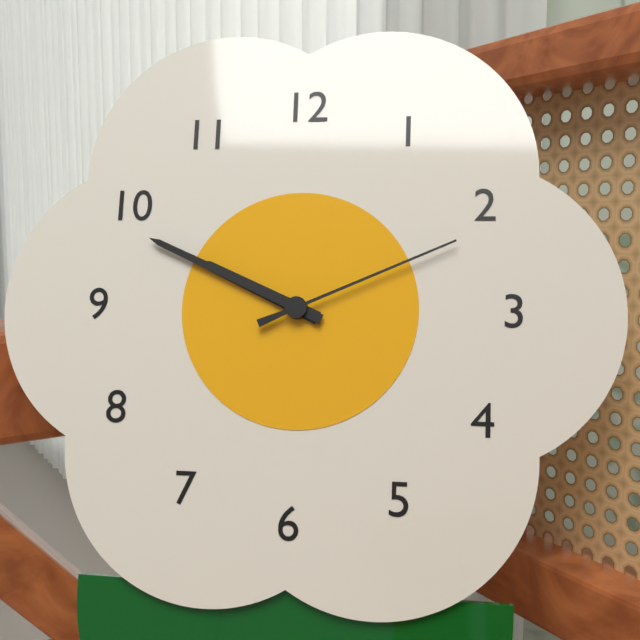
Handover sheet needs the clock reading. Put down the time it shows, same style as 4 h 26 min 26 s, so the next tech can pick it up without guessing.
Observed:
9 h 49 min 11 s
